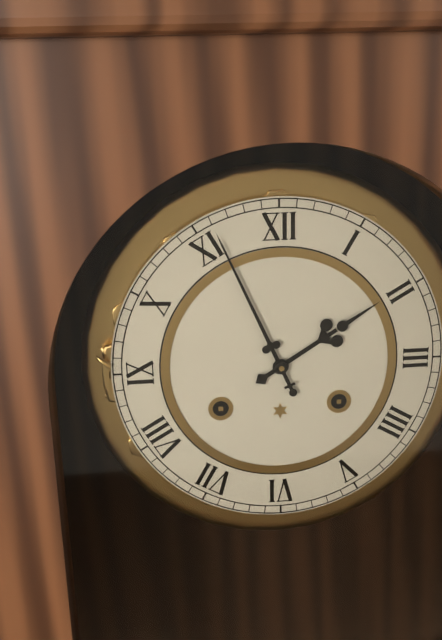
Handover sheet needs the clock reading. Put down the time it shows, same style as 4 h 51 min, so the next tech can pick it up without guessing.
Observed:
1 h 56 min
